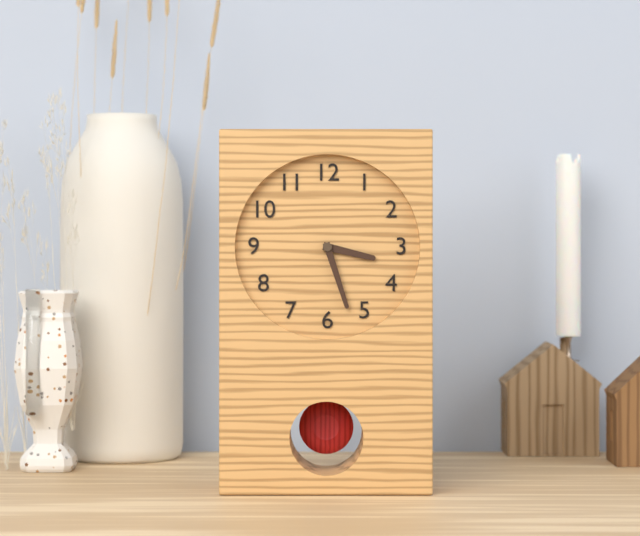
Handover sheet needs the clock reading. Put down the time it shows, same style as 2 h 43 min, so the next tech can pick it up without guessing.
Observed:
3 h 27 min
